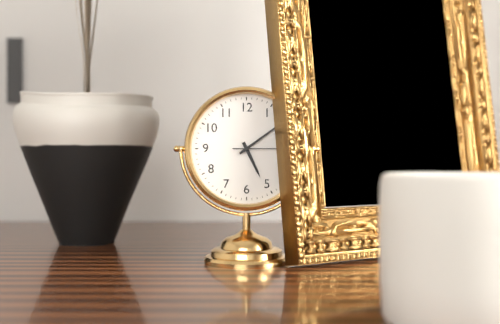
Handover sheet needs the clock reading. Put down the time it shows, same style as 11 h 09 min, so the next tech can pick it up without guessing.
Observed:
5 h 09 min
